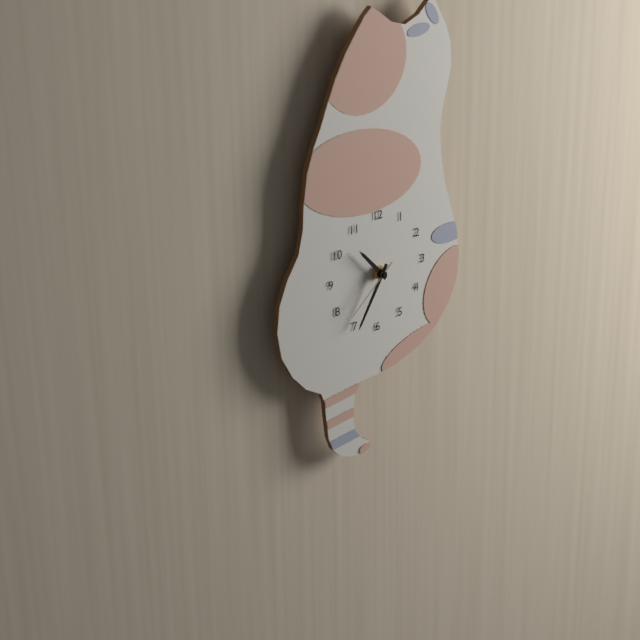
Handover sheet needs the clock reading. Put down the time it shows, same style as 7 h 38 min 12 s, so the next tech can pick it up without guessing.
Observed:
10 h 35 min 38 s
